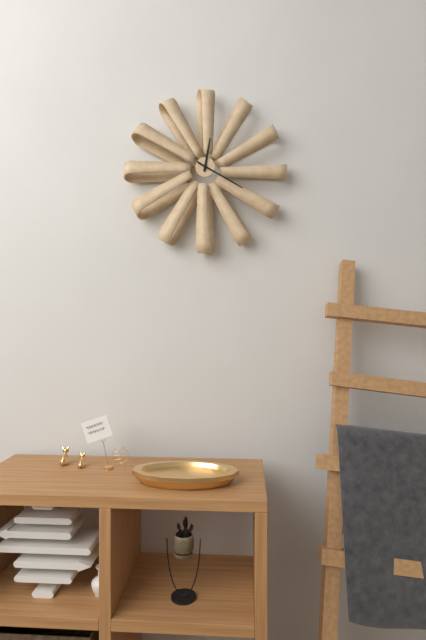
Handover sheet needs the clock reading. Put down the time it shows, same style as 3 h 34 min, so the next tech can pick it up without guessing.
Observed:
12 h 20 min
